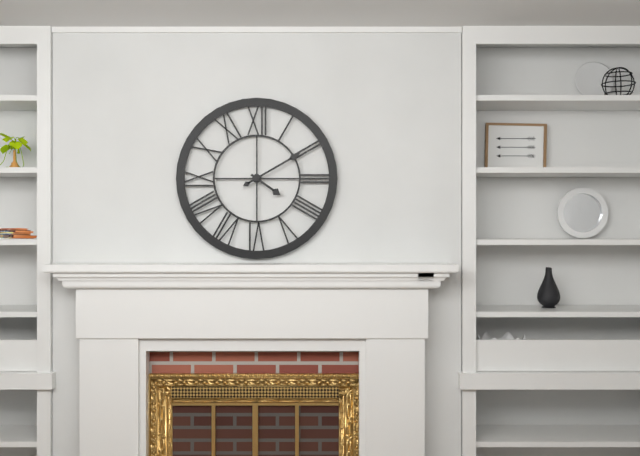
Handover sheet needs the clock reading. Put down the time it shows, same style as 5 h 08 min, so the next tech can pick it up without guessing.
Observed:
4 h 10 min
